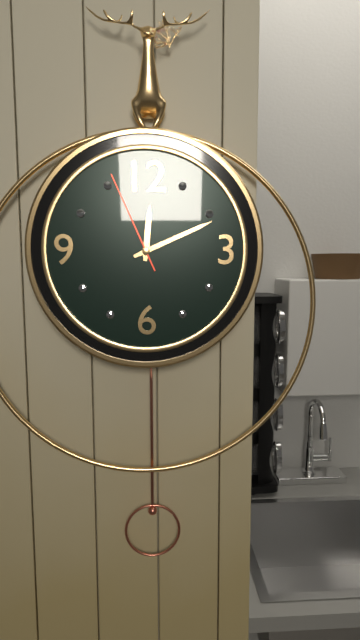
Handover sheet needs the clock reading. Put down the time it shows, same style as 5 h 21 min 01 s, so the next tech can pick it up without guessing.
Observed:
12 h 11 min 56 s
